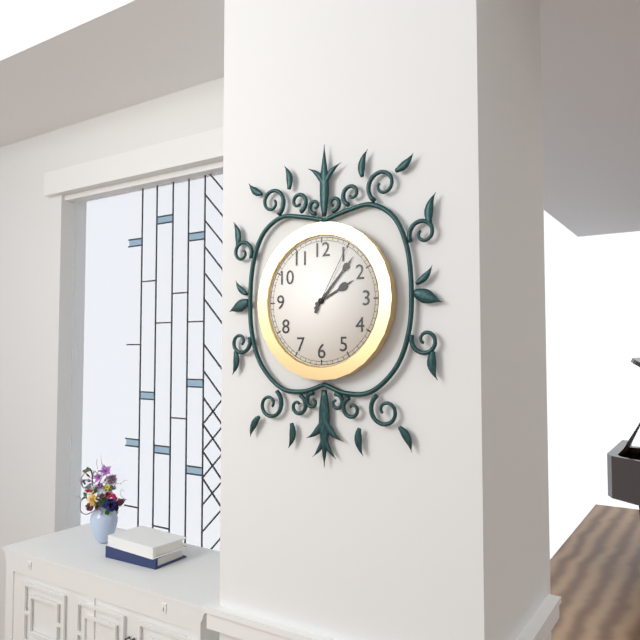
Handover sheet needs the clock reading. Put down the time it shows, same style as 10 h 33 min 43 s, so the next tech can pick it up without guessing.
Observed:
2 h 07 min 05 s
